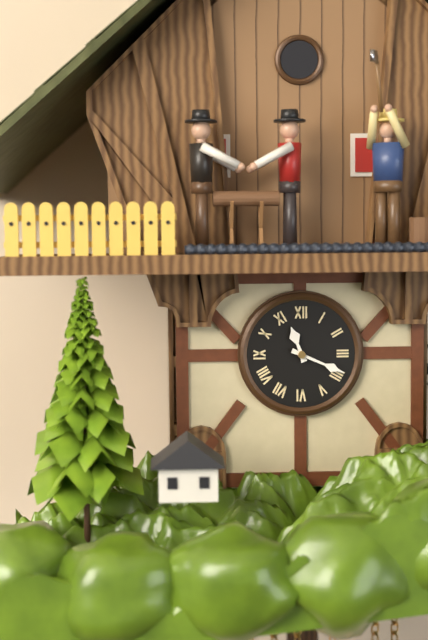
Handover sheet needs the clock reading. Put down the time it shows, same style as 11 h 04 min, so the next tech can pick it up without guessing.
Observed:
11 h 19 min
